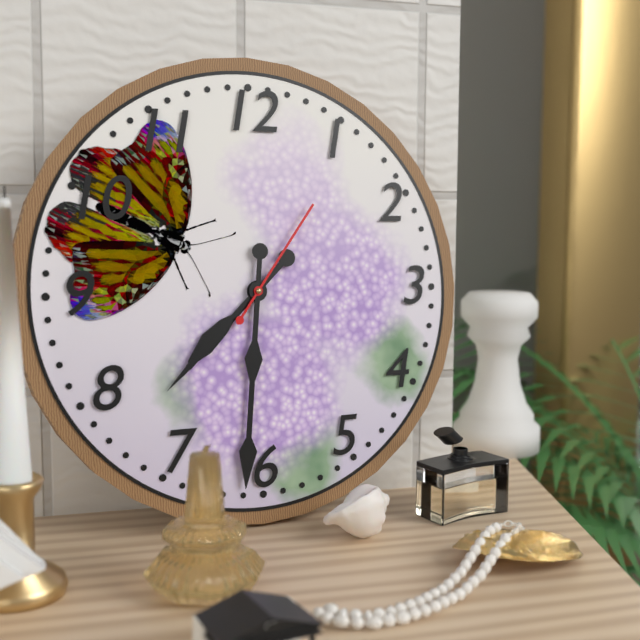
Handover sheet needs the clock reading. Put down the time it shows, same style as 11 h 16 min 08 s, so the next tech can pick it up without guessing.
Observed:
7 h 31 min 06 s
